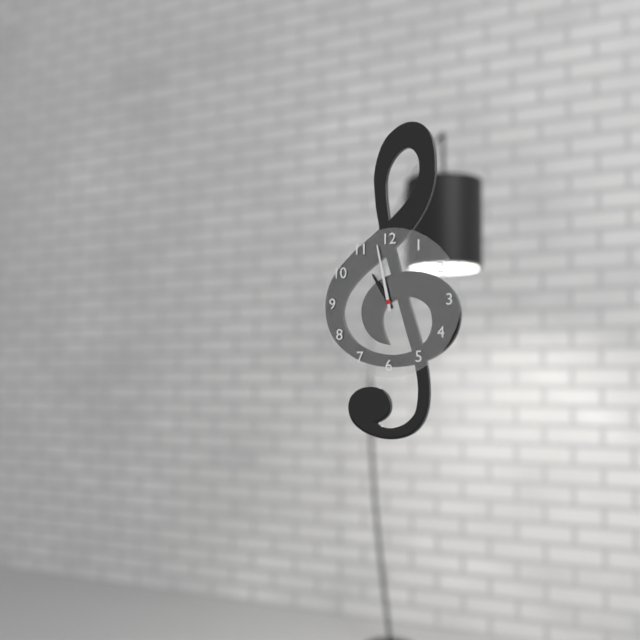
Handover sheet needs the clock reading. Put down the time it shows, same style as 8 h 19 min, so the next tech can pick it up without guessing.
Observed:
10 h 58 min
